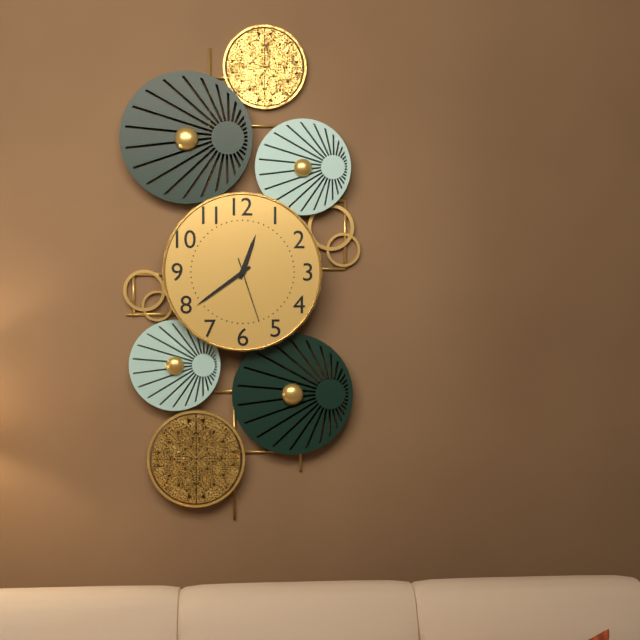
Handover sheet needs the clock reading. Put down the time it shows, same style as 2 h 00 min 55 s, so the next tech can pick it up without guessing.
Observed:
12 h 39 min 27 s
